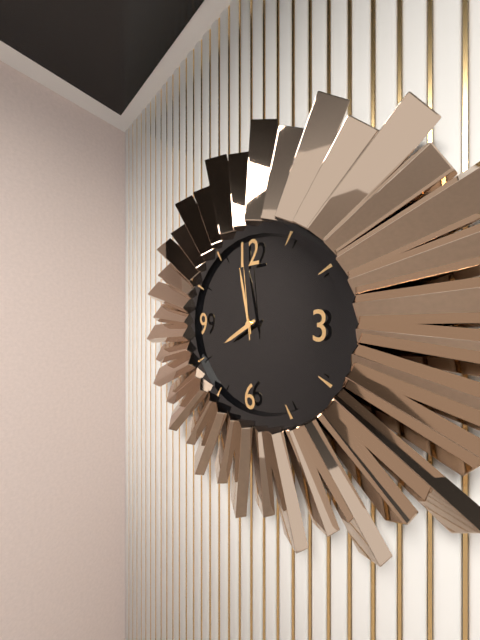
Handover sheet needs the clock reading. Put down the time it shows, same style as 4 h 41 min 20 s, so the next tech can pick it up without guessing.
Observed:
7 h 58 min 59 s
